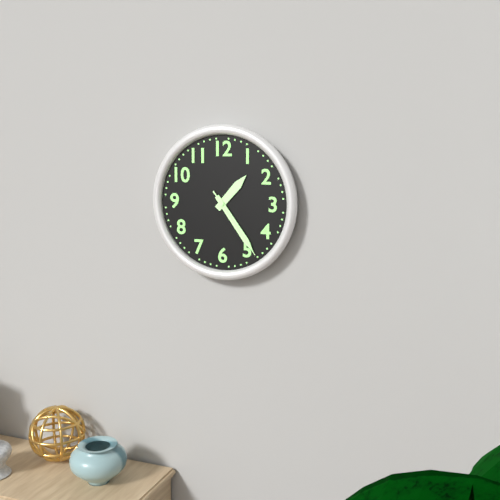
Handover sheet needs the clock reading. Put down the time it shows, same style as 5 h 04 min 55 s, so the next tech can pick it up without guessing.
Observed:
1 h 24 min 24 s
